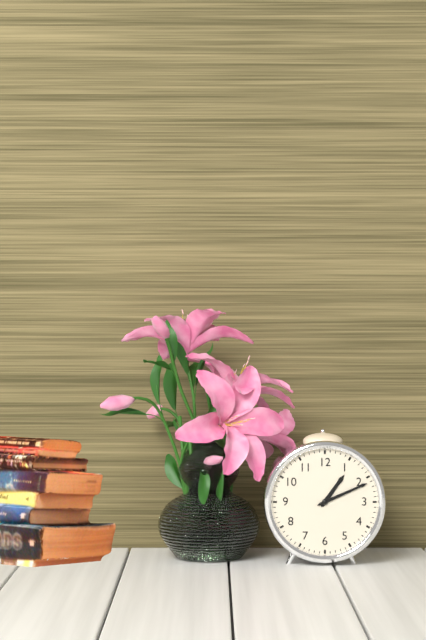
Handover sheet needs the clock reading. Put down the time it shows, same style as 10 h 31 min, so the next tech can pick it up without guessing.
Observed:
1 h 11 min
